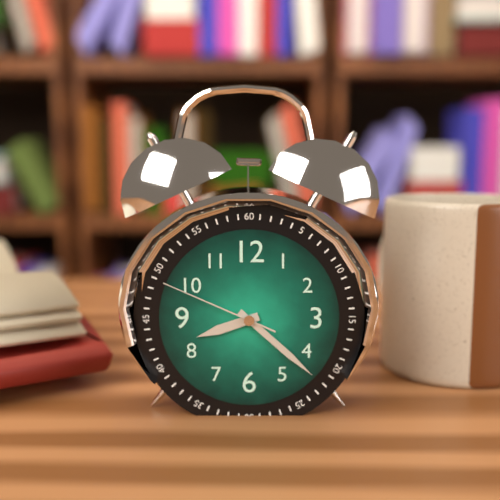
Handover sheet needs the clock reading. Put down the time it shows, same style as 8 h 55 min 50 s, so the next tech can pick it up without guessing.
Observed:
8 h 22 min 49 s
